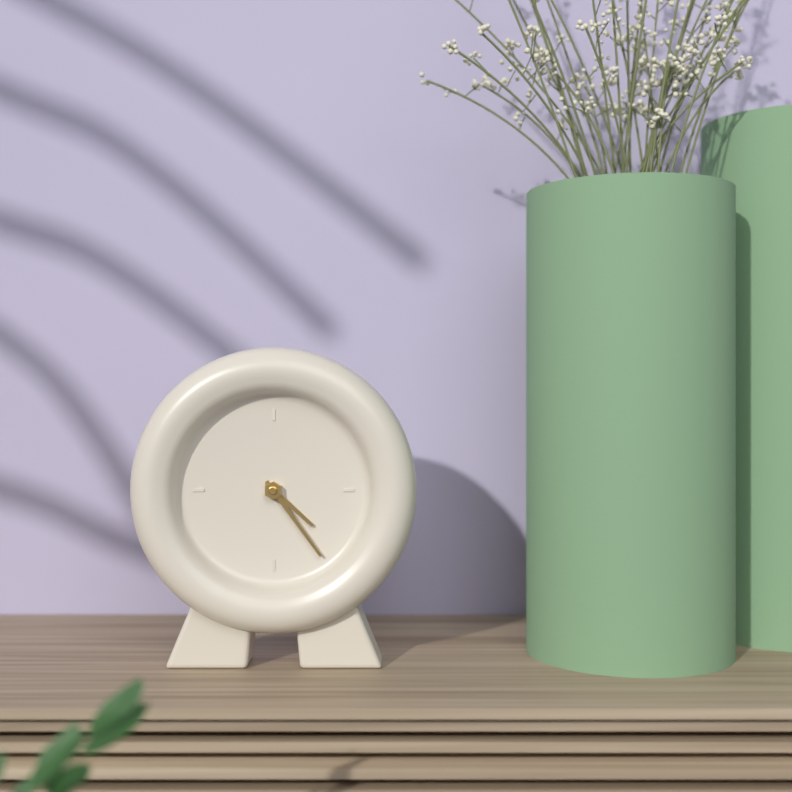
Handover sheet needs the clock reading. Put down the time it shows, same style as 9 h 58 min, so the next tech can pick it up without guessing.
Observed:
4 h 24 min
